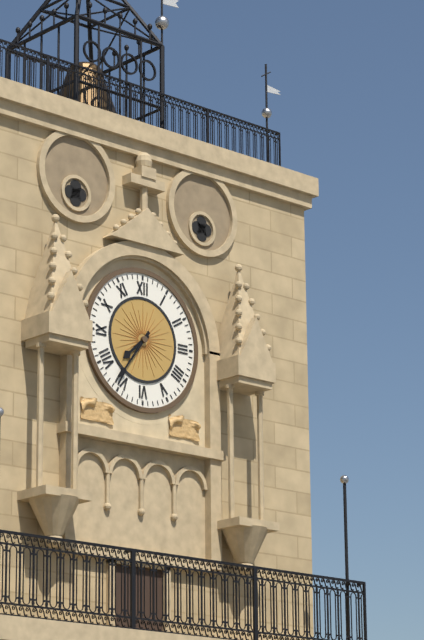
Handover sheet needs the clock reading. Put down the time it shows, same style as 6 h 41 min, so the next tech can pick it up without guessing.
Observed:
7 h 36 min
